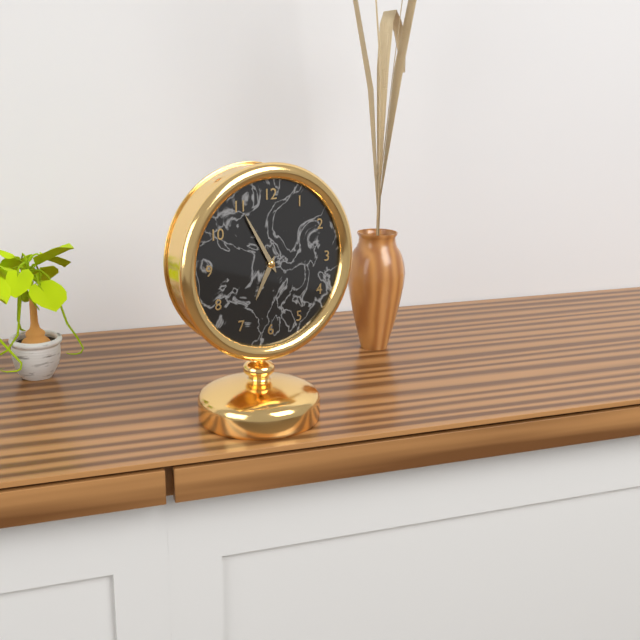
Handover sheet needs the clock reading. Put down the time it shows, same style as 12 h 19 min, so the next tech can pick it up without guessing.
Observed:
6 h 55 min
